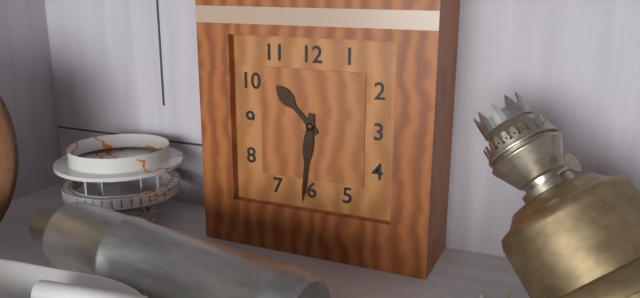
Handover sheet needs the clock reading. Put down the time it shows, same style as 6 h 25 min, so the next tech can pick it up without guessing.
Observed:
10 h 31 min
